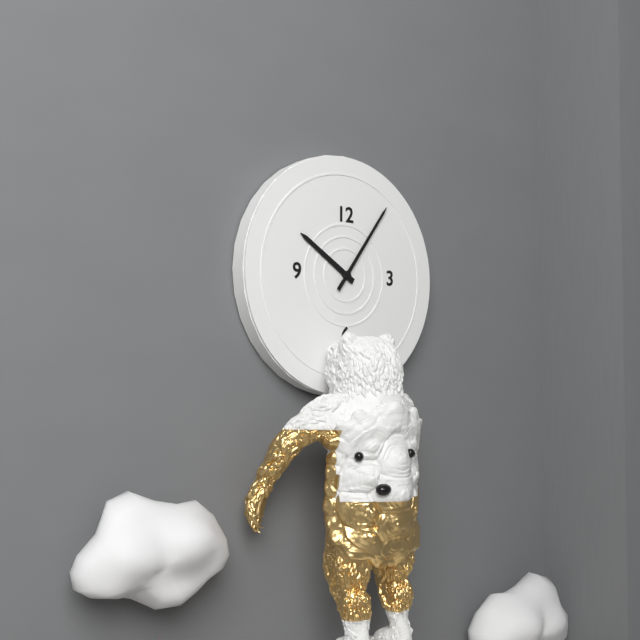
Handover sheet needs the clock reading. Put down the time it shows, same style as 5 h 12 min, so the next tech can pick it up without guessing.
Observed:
10 h 06 min
